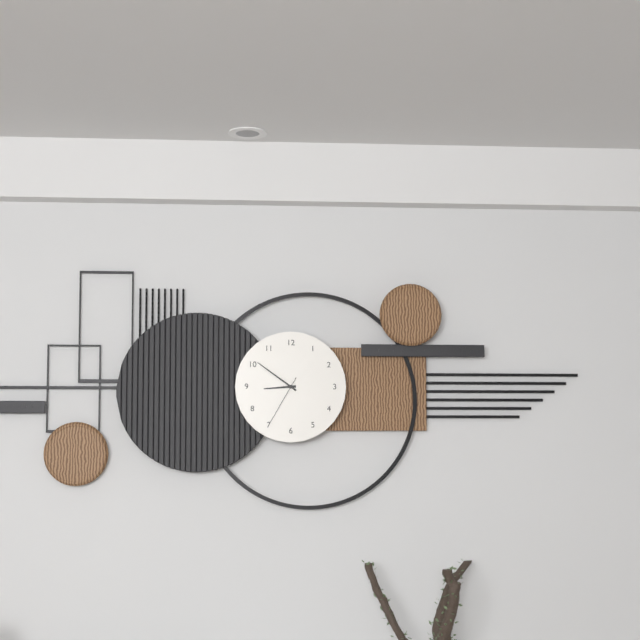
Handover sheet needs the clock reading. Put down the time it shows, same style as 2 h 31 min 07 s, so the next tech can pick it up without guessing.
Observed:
8 h 51 min 35 s
